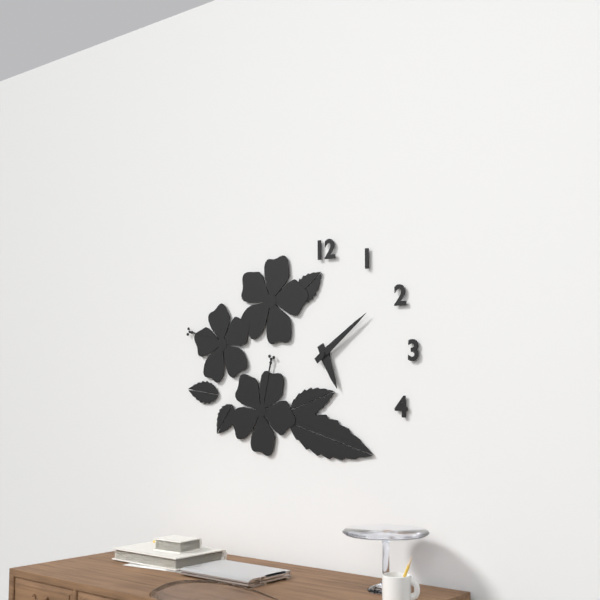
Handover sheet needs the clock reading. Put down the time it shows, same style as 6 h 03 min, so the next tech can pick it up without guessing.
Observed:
5 h 09 min
